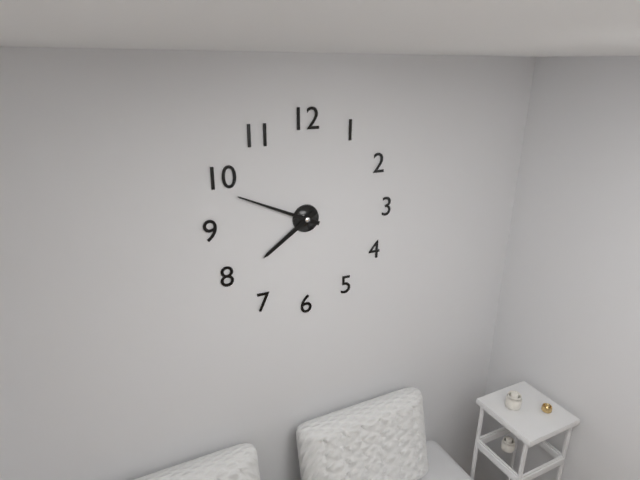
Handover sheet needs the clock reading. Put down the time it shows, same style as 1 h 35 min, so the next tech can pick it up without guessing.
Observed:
7 h 49 min
